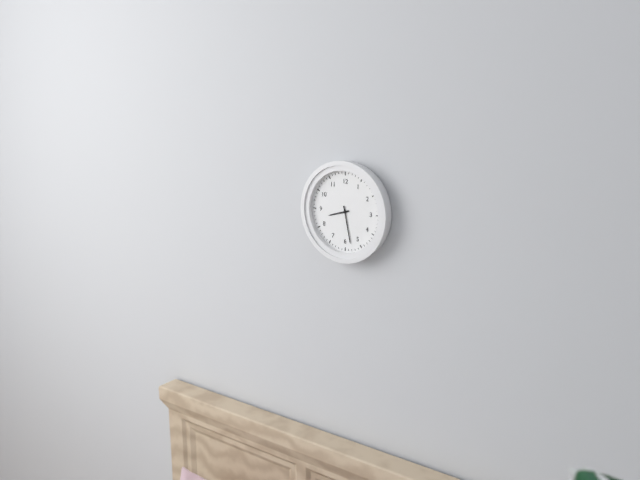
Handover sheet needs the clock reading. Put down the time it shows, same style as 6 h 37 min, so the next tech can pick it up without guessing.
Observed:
8 h 28 min
